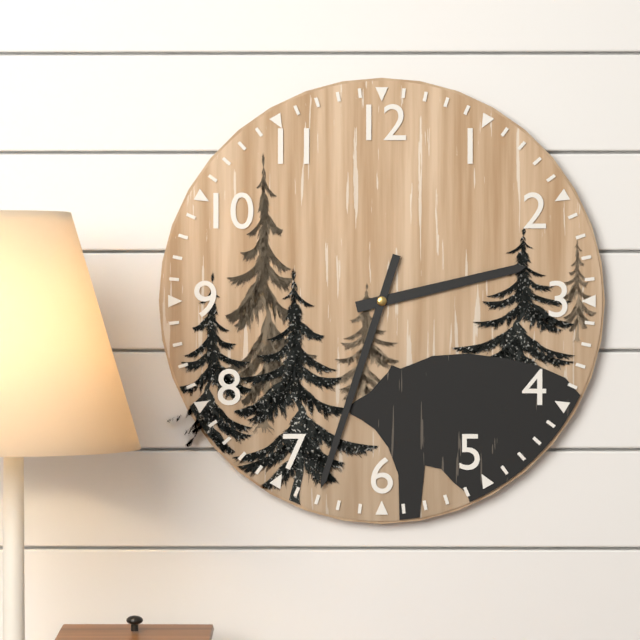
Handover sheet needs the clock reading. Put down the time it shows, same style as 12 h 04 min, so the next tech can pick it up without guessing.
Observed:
2 h 33 min
